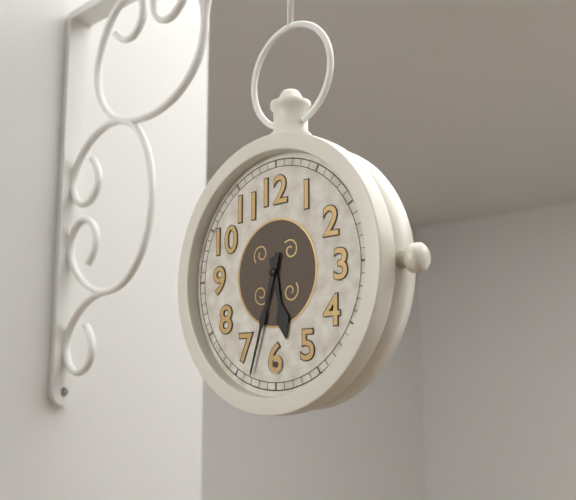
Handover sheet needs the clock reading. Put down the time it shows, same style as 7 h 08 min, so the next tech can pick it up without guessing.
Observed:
5 h 33 min
